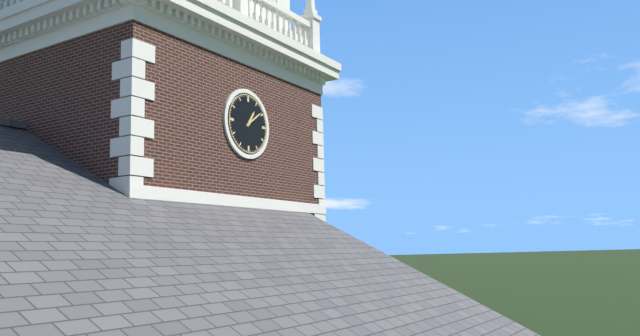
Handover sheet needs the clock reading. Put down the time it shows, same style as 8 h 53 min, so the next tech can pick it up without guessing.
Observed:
1 h 09 min
